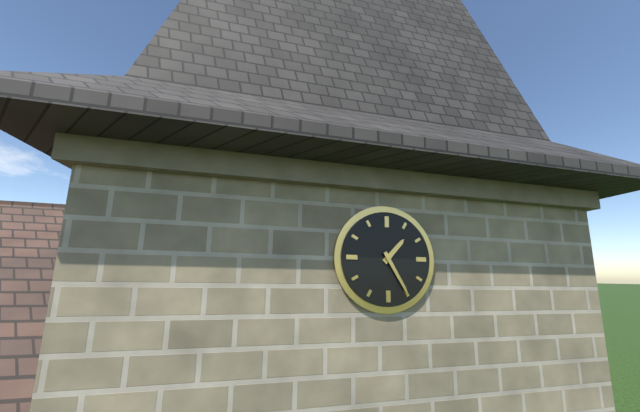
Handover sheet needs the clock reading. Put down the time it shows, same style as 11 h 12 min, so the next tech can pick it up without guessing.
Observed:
1 h 25 min
